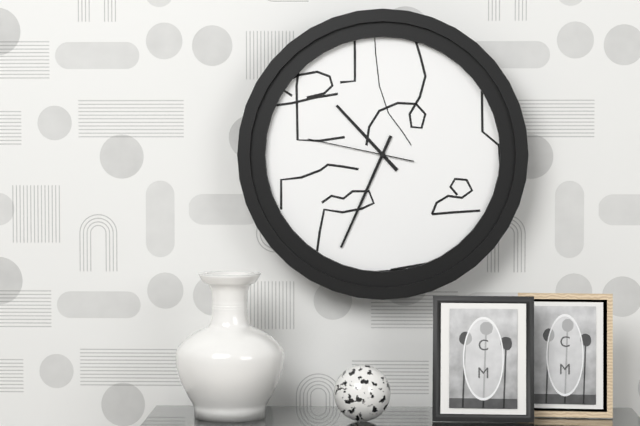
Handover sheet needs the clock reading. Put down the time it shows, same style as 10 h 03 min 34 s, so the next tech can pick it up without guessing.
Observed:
10 h 34 min 47 s
